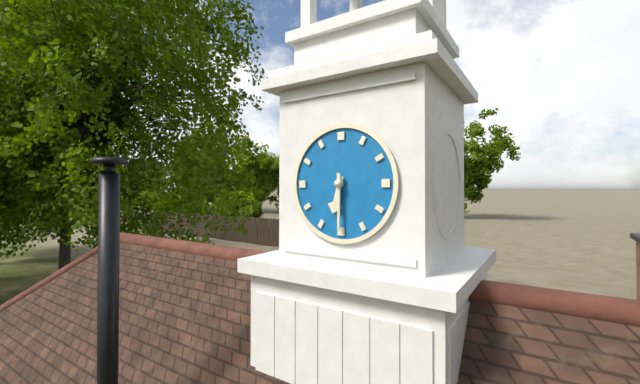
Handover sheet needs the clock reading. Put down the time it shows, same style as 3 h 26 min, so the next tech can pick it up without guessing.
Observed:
6 h 30 min
